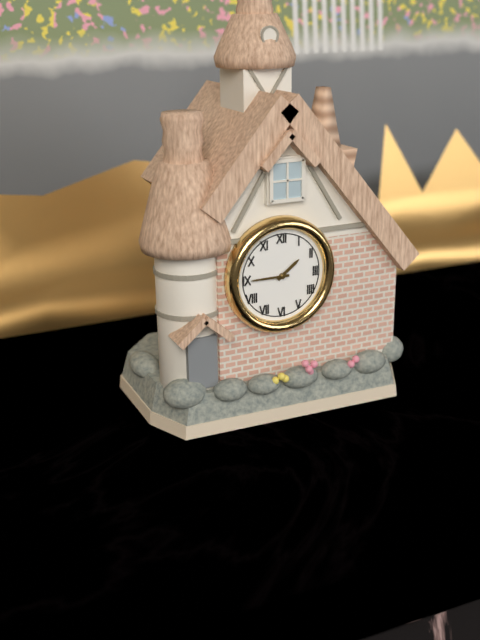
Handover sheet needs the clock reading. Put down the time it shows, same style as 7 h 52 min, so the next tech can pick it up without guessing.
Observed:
1 h 45 min
